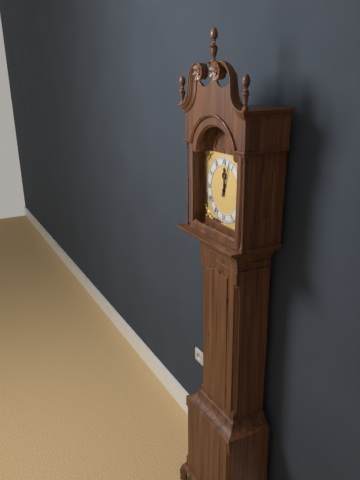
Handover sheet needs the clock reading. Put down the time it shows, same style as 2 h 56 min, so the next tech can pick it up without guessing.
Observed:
12 h 03 min
